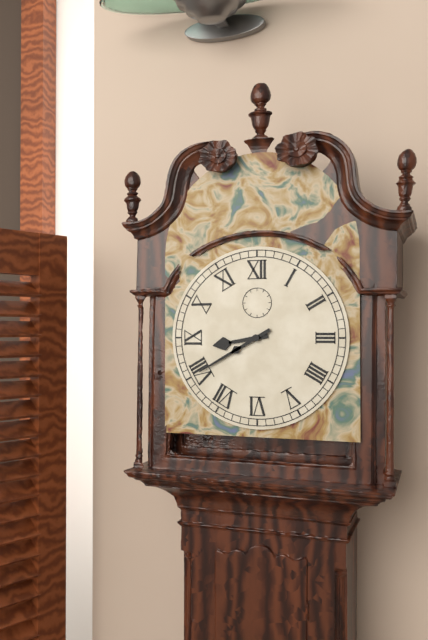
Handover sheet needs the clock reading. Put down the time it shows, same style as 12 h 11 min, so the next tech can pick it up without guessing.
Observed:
8 h 40 min
